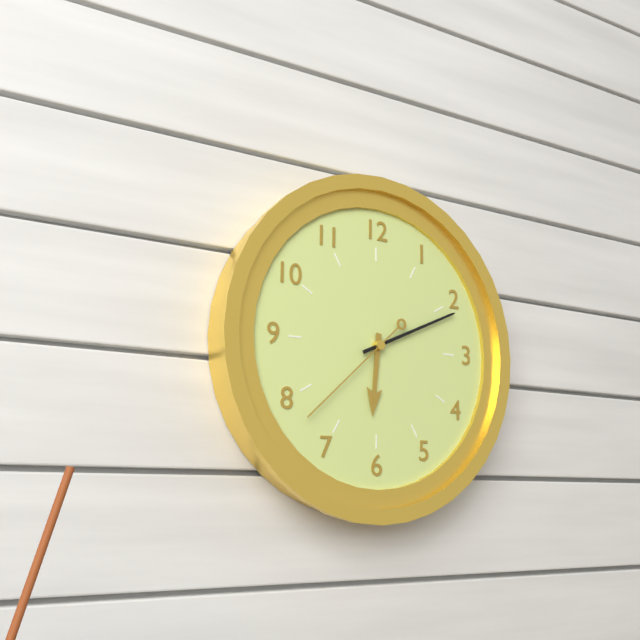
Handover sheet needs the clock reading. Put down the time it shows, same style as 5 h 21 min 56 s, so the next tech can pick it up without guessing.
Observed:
6 h 11 min 38 s
